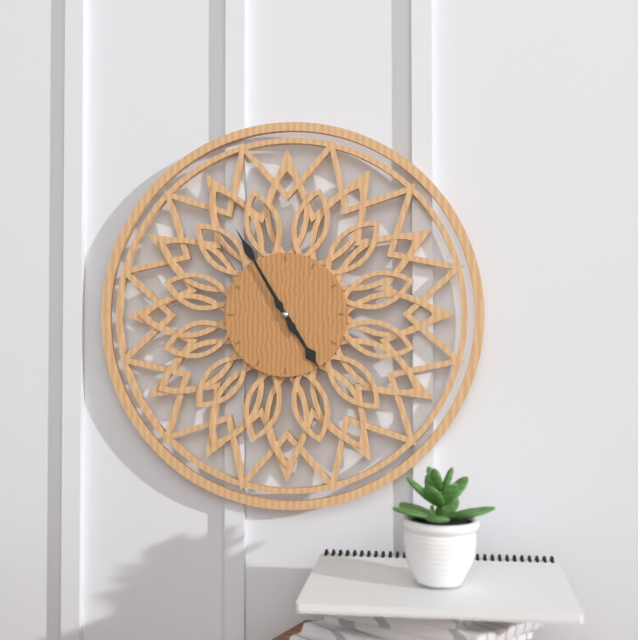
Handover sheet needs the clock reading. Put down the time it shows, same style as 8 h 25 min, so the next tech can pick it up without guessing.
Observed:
4 h 55 min
